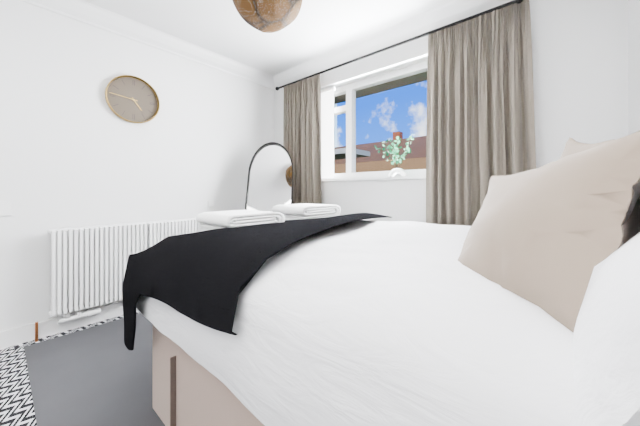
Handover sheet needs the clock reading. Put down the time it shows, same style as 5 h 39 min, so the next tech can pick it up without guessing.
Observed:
4 h 46 min
